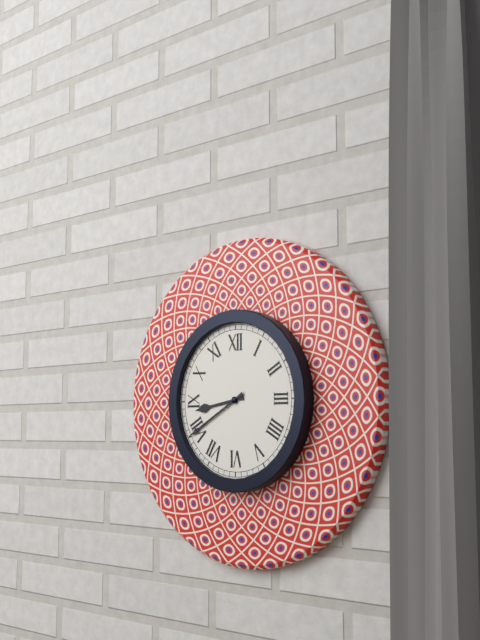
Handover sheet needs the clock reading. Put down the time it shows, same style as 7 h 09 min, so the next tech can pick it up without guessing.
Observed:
8 h 40 min
